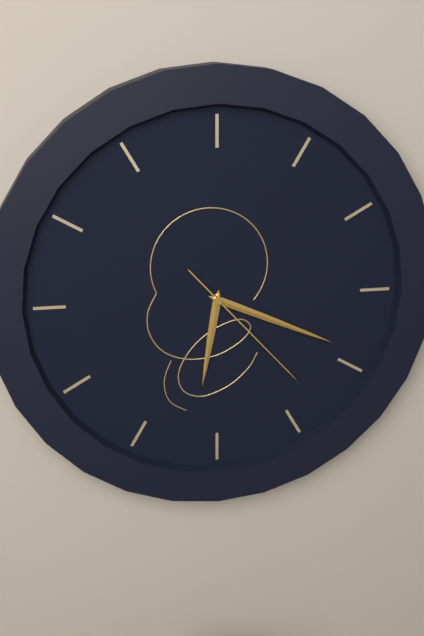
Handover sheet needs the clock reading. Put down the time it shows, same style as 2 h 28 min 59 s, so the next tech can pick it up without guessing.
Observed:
6 h 19 min 23 s
